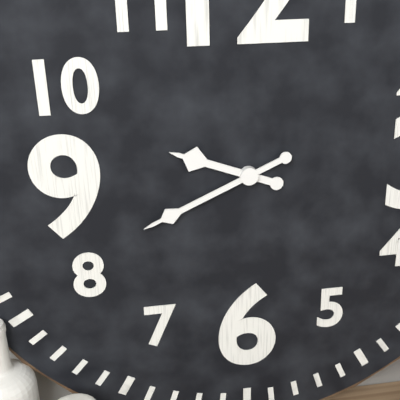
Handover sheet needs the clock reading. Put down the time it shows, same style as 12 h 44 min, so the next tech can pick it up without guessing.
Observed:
9 h 41 min
